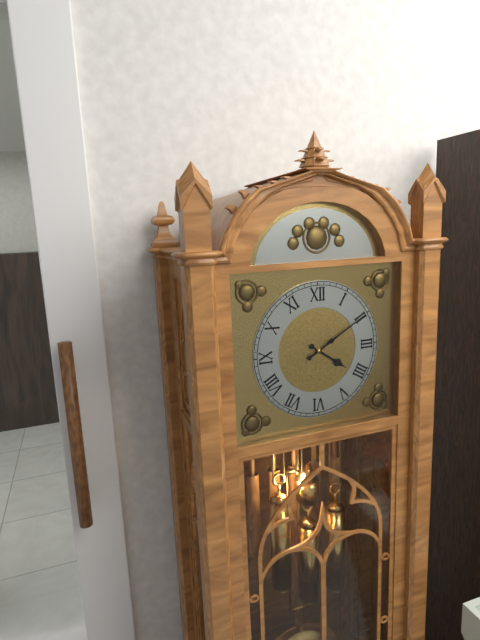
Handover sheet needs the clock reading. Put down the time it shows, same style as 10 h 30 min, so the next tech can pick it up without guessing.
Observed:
4 h 10 min
